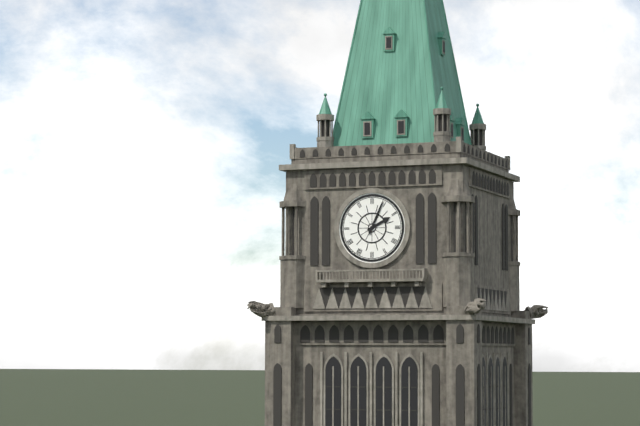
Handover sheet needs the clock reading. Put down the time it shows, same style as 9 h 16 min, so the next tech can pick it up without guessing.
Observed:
2 h 04 min
